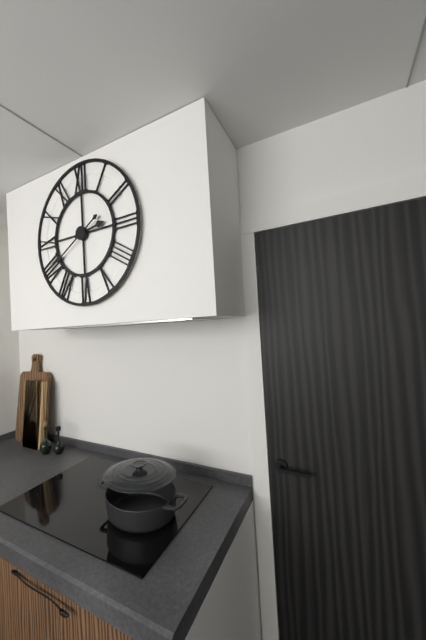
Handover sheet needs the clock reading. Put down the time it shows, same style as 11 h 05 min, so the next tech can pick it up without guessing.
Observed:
2 h 40 min
